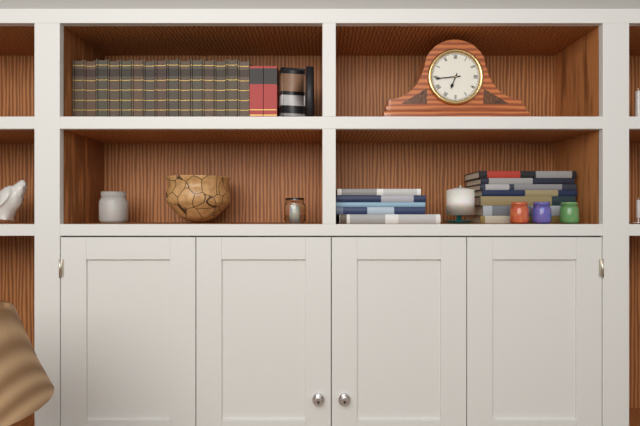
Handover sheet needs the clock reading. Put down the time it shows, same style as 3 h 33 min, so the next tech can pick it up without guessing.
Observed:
6 h 44 min
